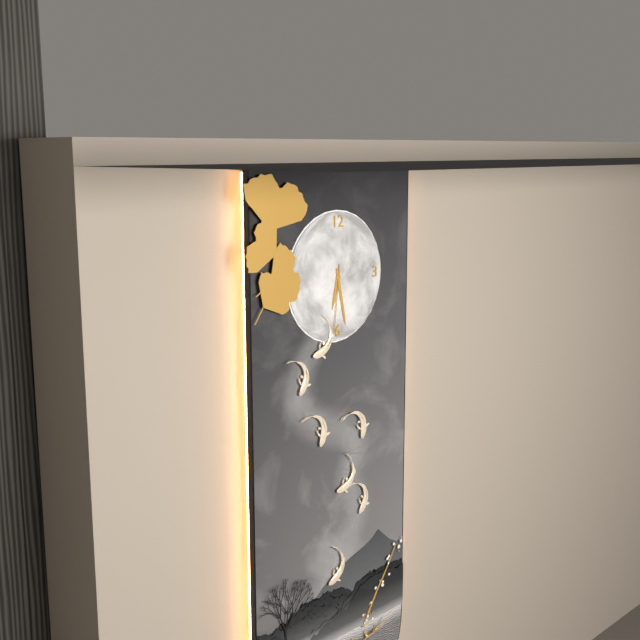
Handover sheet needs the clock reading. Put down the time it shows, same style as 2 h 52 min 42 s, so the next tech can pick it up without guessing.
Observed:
6 h 28 min 31 s
